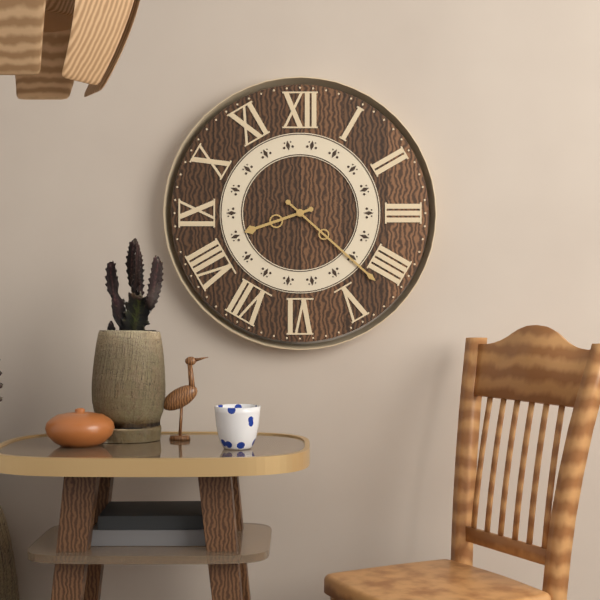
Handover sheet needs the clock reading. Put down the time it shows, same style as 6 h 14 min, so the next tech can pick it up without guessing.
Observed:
8 h 22 min
